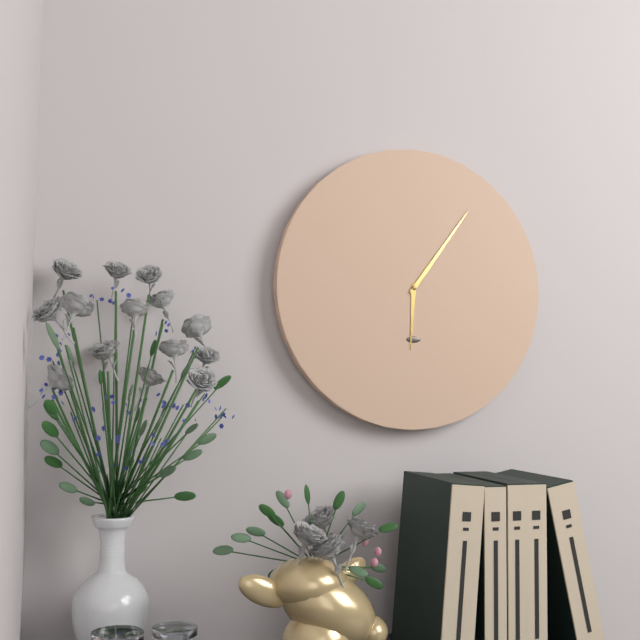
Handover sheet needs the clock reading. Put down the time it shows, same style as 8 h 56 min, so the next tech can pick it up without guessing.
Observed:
6 h 06 min
